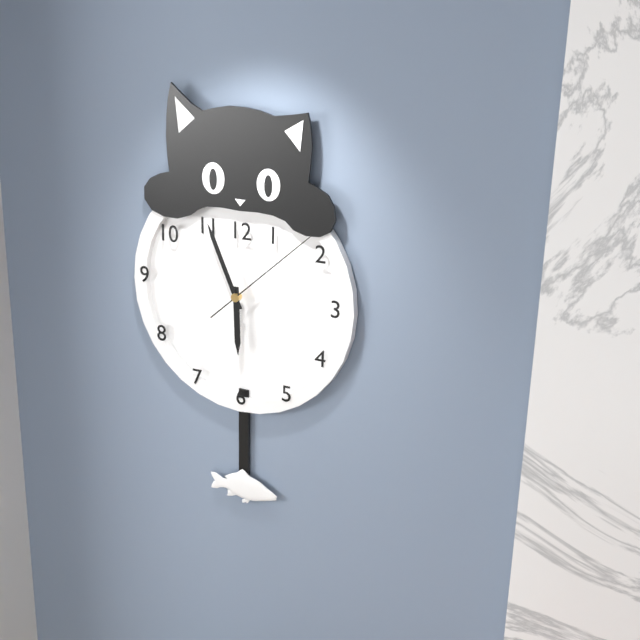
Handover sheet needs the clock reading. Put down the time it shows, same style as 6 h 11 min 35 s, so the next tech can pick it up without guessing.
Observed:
5 h 56 min 08 s
